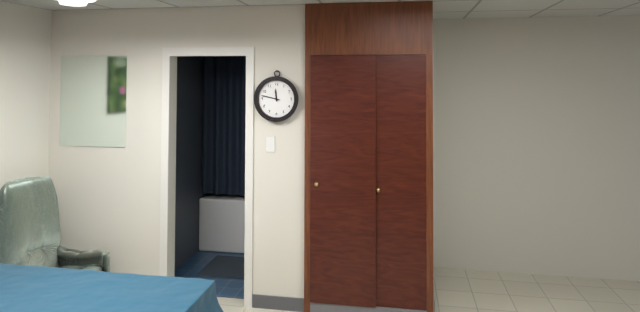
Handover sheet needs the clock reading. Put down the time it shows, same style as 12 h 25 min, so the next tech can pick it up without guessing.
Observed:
11 h 47 min
